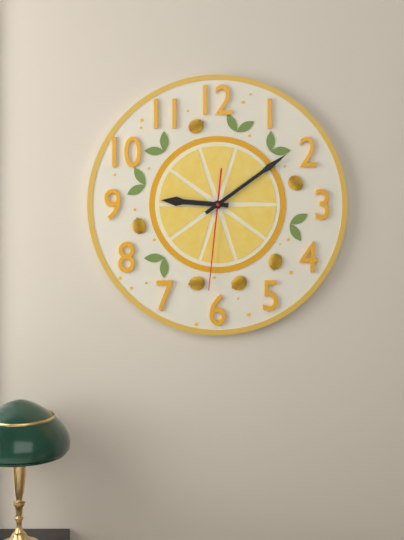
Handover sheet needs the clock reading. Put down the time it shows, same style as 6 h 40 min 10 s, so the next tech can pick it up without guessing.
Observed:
9 h 09 min 31 s
